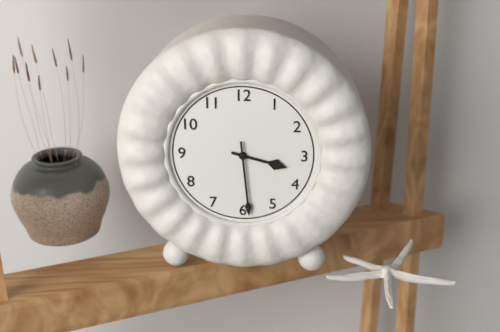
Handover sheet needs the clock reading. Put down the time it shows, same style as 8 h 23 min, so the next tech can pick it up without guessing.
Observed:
3 h 29 min
